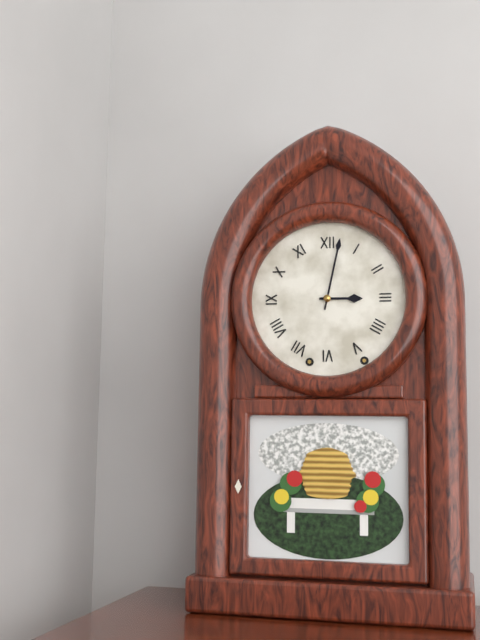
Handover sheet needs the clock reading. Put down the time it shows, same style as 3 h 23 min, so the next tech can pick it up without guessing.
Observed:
3 h 02 min
